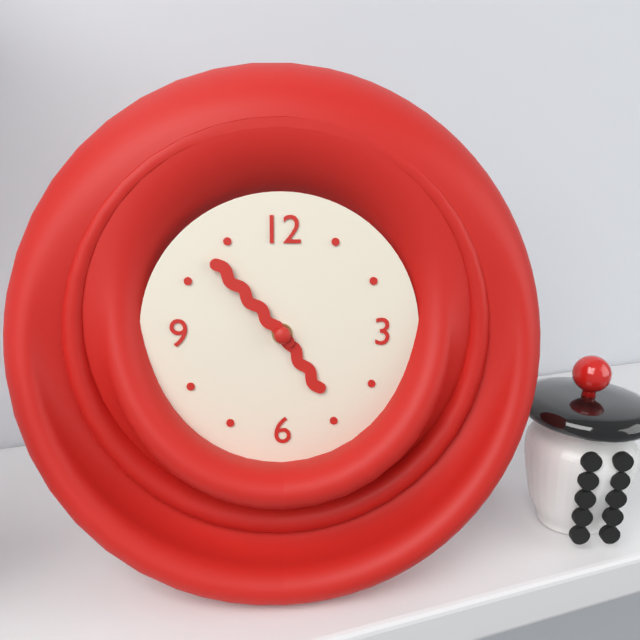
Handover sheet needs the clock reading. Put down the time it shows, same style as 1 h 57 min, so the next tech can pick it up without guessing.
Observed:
4 h 53 min
